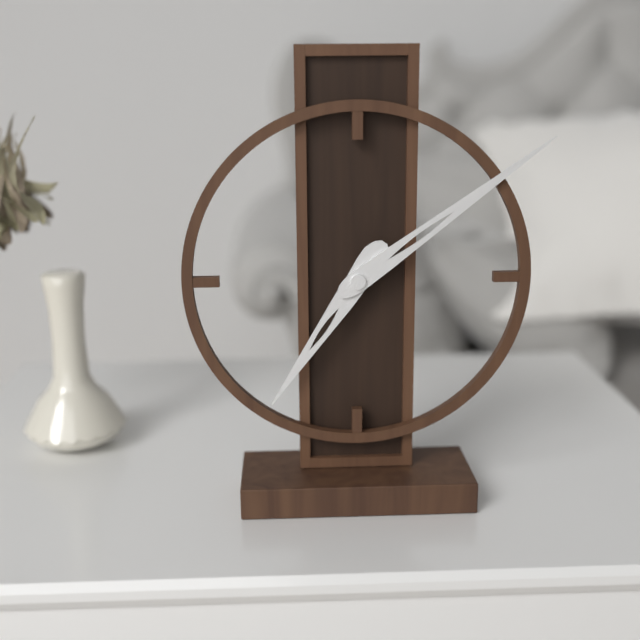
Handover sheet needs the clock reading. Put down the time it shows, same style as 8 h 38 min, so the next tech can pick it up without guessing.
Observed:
7 h 09 min
